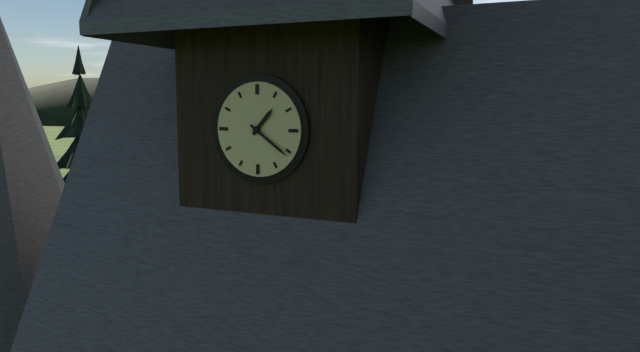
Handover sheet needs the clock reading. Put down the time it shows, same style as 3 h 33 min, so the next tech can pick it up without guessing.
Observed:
1 h 21 min
